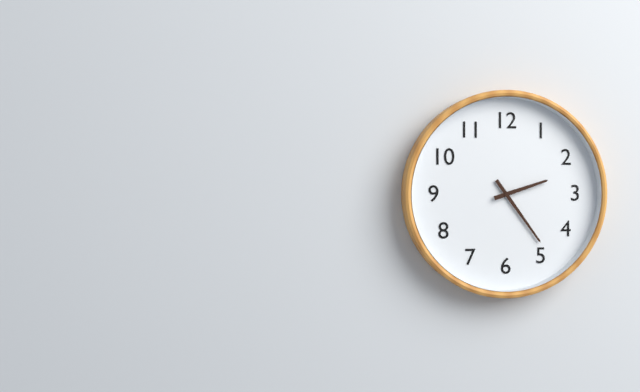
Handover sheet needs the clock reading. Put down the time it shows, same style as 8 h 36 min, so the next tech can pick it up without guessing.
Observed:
2 h 24 min
